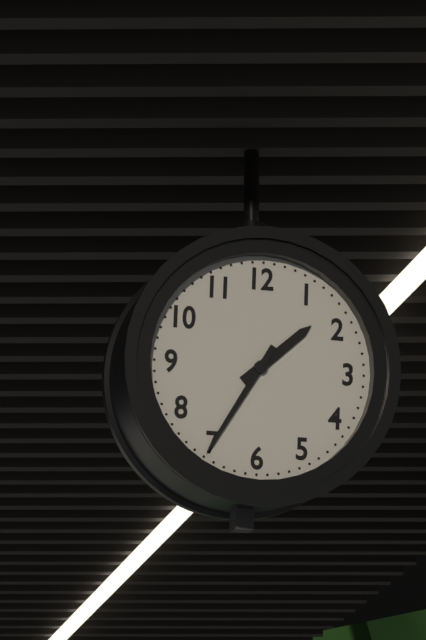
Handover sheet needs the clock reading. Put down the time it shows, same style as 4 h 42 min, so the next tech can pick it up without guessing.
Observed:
1 h 35 min
